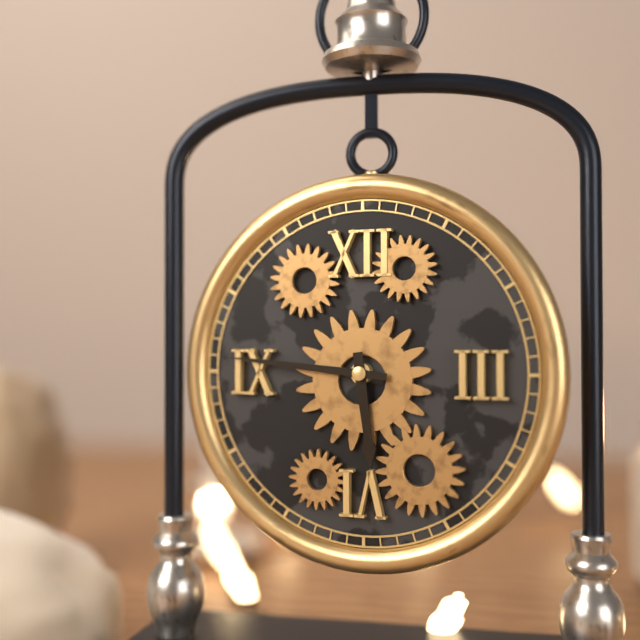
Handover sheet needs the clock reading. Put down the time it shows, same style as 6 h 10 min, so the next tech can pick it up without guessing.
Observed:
5 h 46 min
